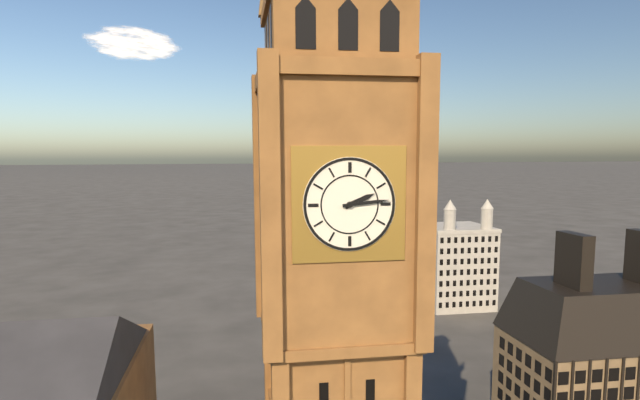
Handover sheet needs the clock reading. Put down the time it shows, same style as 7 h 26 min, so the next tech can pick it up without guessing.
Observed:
2 h 14 min
